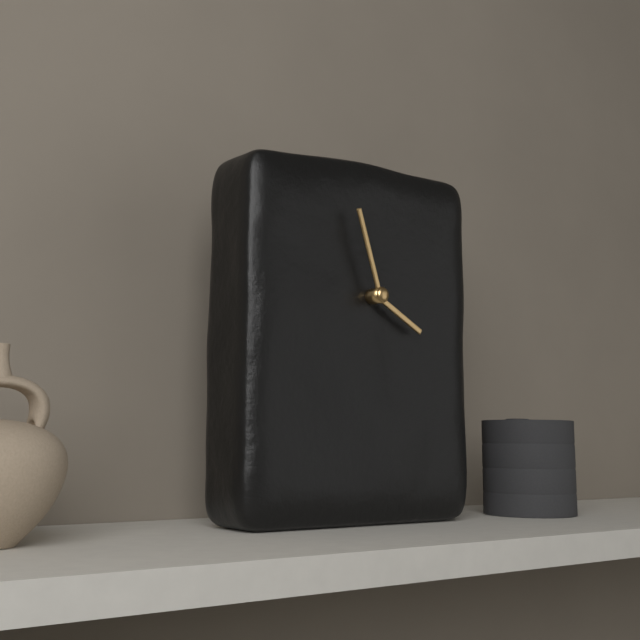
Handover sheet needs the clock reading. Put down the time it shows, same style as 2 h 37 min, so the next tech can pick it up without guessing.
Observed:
3 h 57 min
